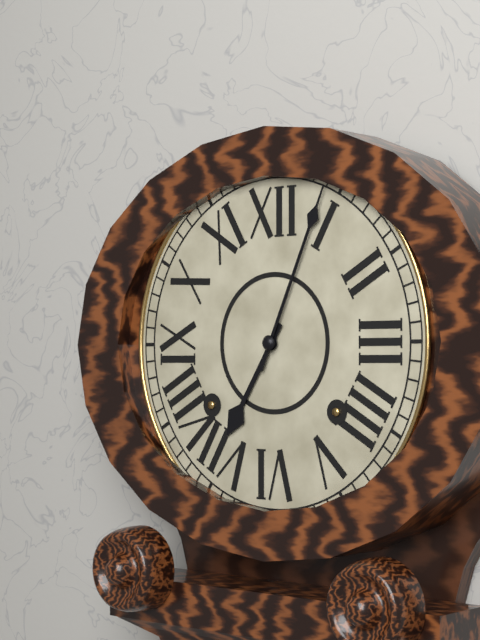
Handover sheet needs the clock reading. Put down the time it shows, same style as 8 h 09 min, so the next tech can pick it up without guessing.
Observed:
7 h 04 min
